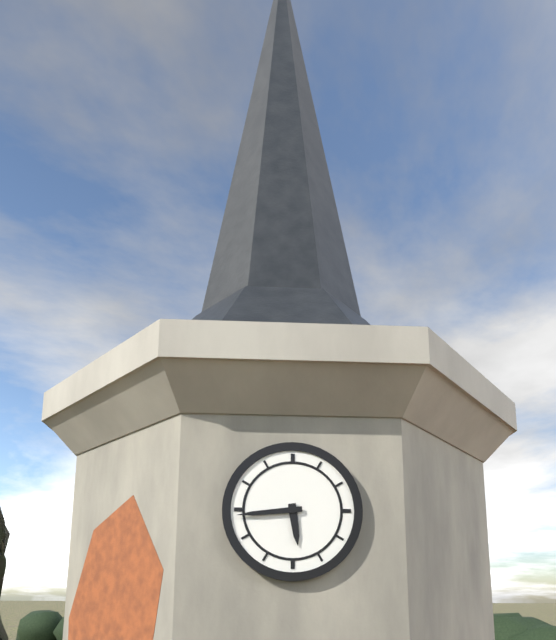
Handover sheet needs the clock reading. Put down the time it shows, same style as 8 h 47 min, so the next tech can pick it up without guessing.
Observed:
5 h 44 min
